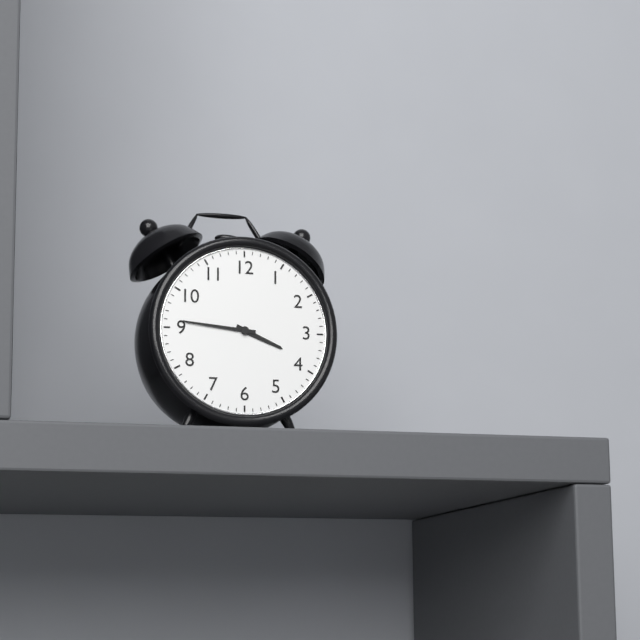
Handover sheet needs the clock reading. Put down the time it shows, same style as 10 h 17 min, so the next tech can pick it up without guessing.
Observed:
3 h 46 min
